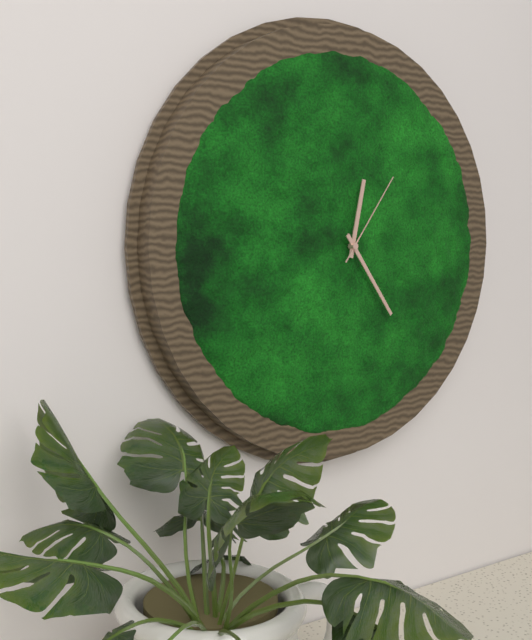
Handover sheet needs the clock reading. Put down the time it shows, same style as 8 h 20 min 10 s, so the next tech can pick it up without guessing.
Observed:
12 h 24 min 06 s
